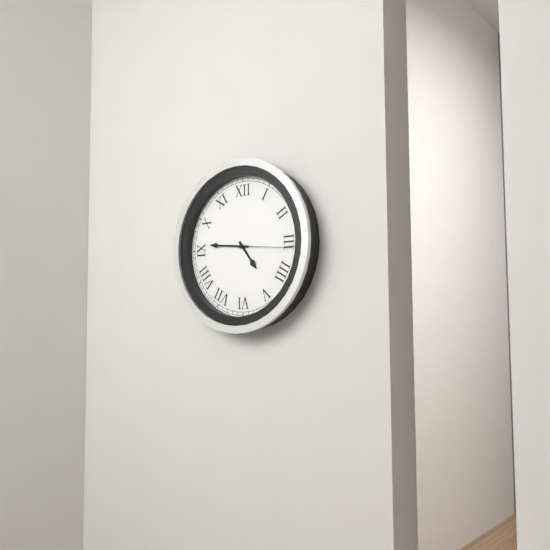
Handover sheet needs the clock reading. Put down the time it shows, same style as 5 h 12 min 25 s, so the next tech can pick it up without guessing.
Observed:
4 h 46 min 16 s
